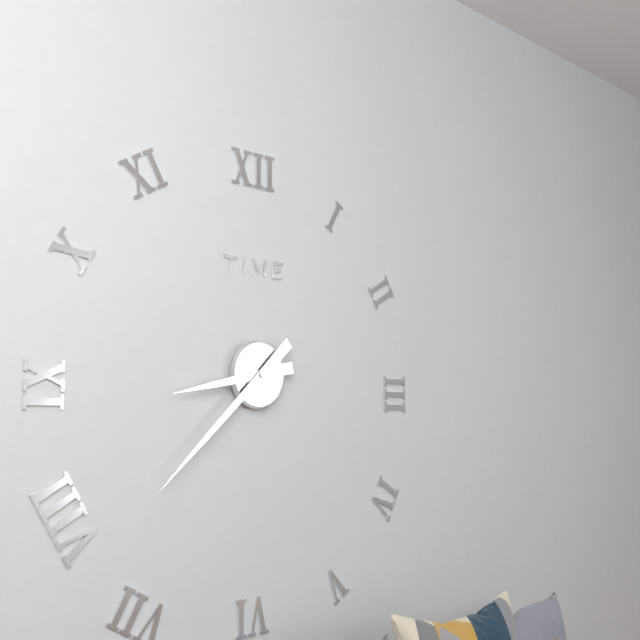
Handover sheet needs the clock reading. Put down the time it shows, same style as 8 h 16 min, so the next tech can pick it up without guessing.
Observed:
8 h 38 min
